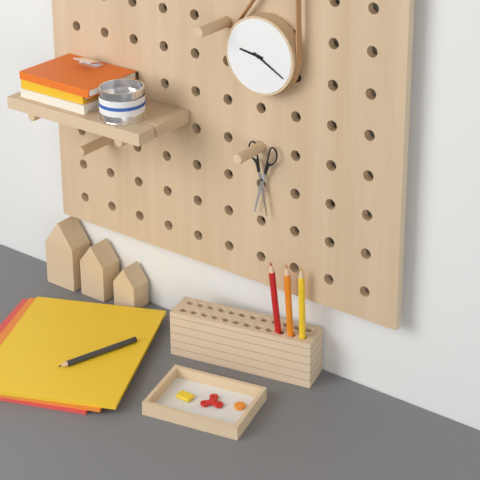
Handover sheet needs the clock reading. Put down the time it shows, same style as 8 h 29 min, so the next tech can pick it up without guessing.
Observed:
9 h 20 min
